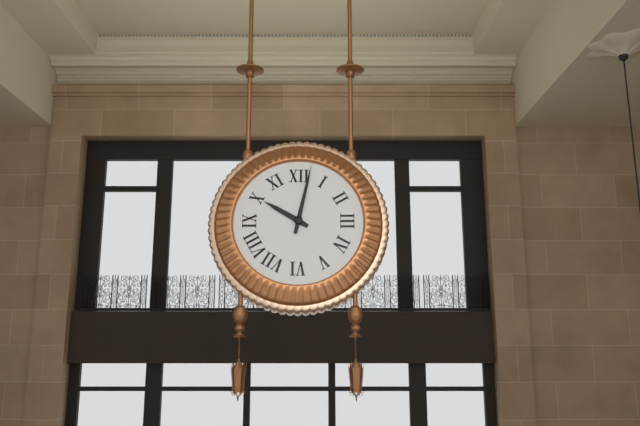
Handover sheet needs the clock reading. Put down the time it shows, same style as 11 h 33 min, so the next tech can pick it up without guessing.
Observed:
10 h 02 min
